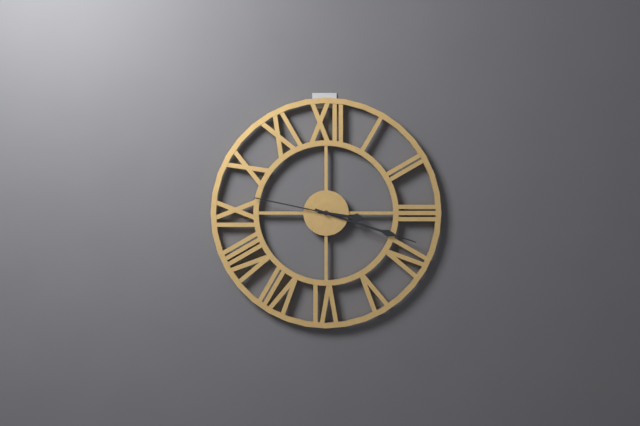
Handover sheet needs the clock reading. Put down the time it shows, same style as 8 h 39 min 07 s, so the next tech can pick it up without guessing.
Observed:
3 h 18 min 47 s
